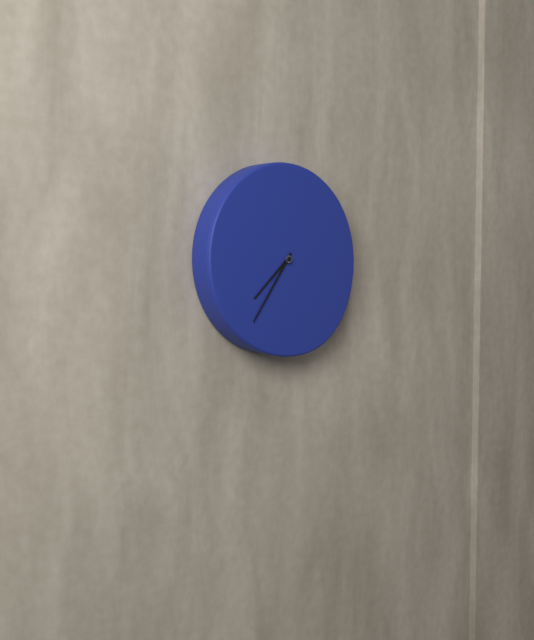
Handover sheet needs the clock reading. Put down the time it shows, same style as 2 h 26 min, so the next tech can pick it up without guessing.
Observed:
7 h 36 min
